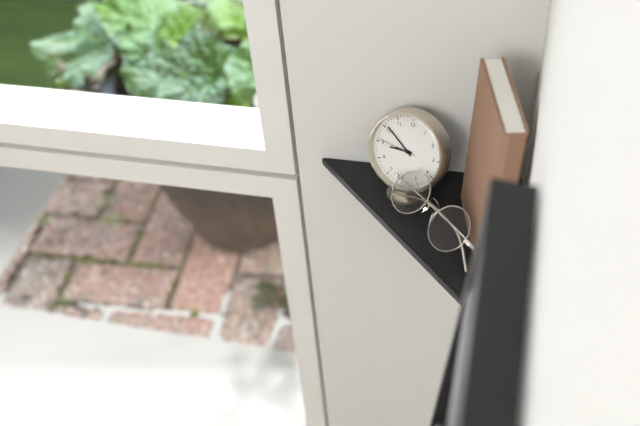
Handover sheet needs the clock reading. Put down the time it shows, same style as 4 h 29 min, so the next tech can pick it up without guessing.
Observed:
8 h 51 min
